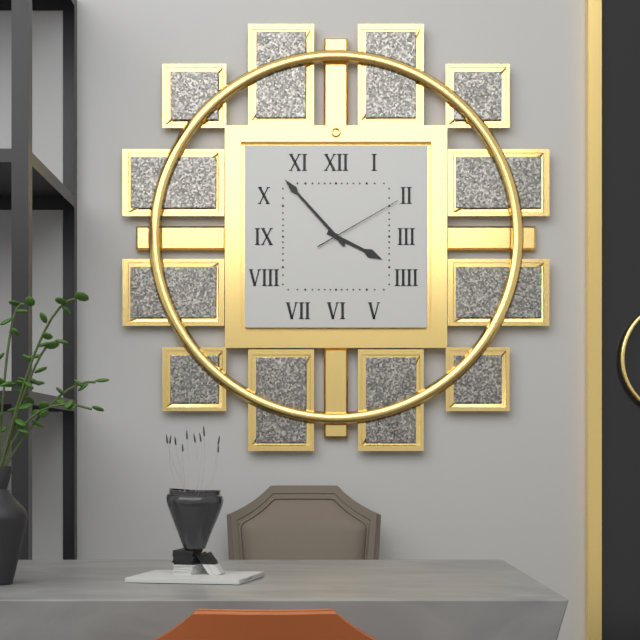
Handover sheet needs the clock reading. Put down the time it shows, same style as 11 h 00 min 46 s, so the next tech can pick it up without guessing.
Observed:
3 h 53 min 10 s
